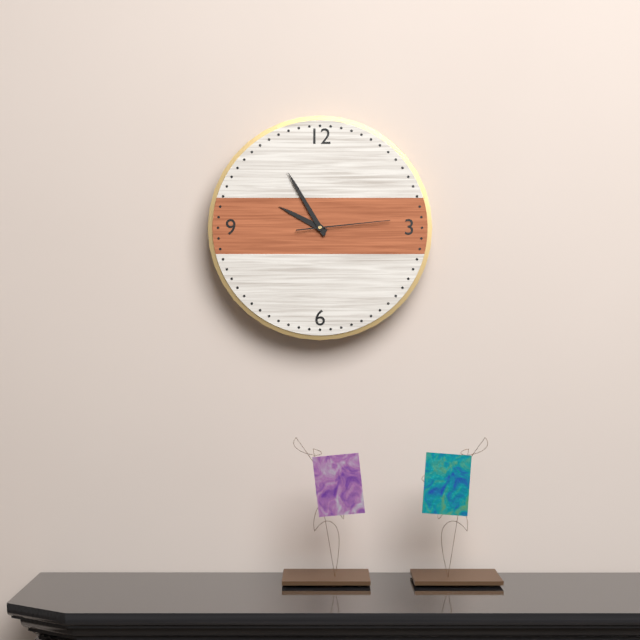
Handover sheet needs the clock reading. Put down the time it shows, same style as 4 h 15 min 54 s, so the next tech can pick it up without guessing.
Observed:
9 h 55 min 14 s
